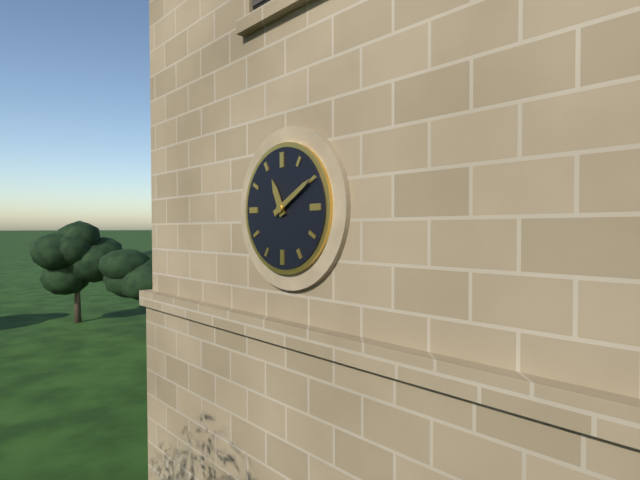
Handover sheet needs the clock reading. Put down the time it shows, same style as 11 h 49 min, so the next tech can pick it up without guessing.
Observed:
11 h 10 min
